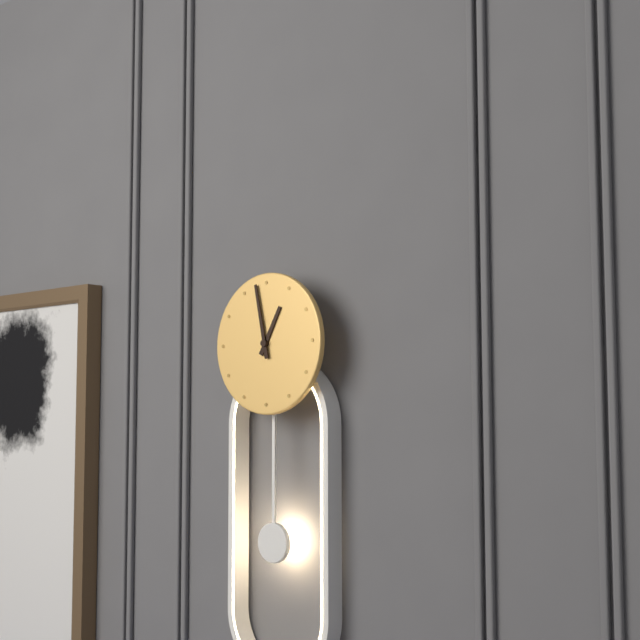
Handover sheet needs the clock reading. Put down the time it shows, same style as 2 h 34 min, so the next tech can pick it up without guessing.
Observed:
12 h 58 min
